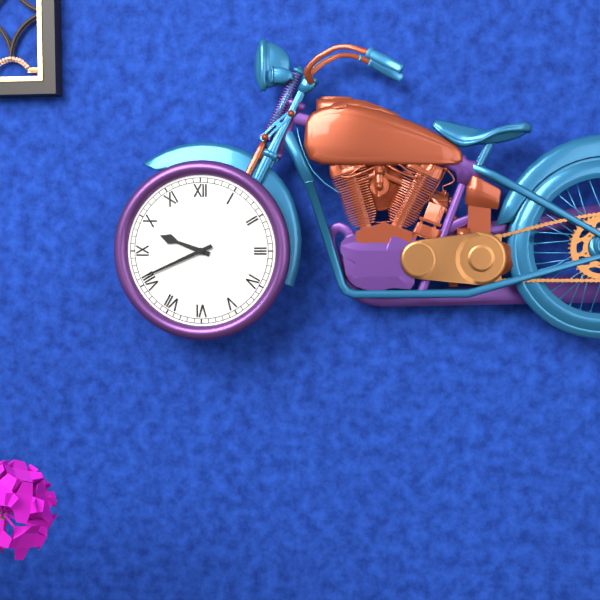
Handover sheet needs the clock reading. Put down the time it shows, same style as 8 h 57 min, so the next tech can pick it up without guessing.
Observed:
9 h 41 min
